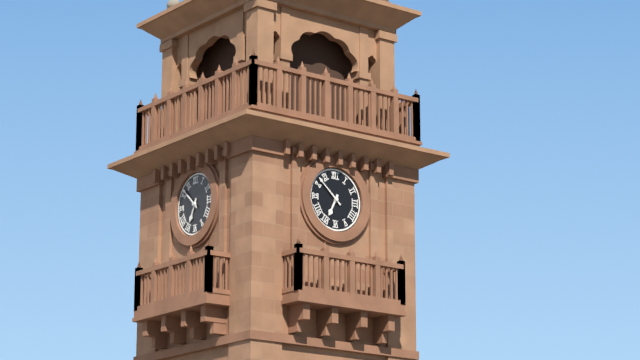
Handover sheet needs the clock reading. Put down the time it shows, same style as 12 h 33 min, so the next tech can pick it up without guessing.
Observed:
6 h 52 min
